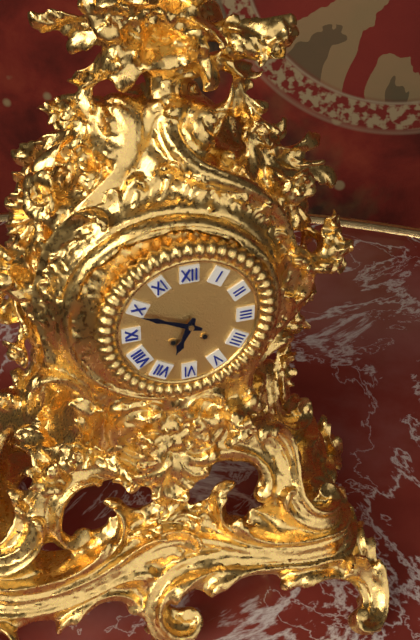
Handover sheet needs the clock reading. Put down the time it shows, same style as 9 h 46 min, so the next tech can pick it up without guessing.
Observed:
6 h 49 min
